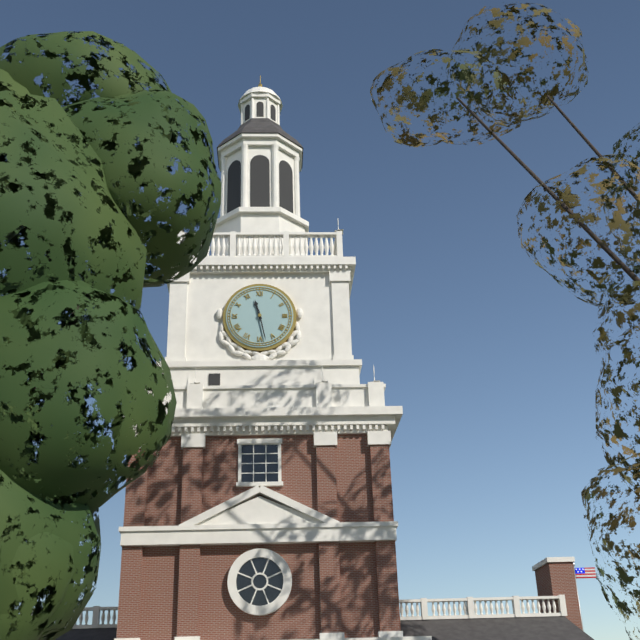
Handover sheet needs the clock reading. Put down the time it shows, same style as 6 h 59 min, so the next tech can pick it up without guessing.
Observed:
11 h 28 min
